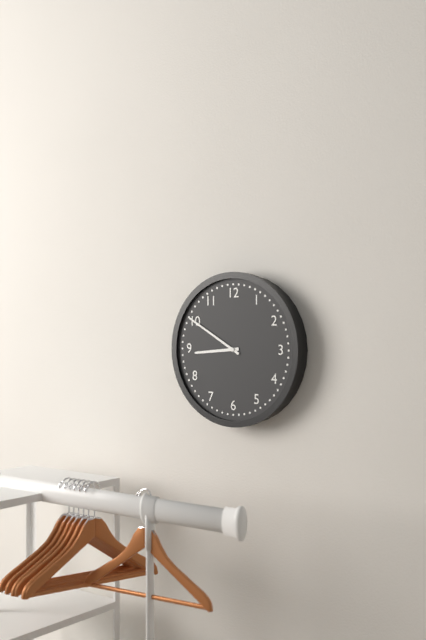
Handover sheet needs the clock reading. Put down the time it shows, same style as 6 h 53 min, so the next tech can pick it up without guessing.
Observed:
8 h 50 min
